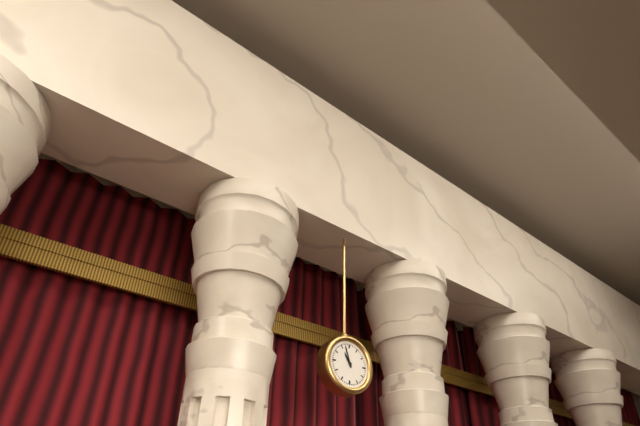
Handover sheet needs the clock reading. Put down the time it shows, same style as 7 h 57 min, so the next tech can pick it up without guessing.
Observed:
10 h 57 min
